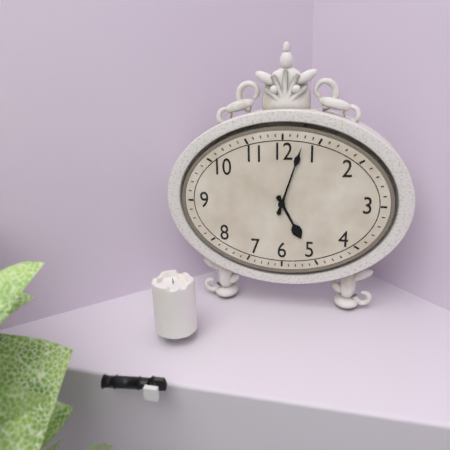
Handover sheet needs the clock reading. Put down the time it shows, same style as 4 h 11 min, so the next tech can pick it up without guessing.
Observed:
5 h 03 min
